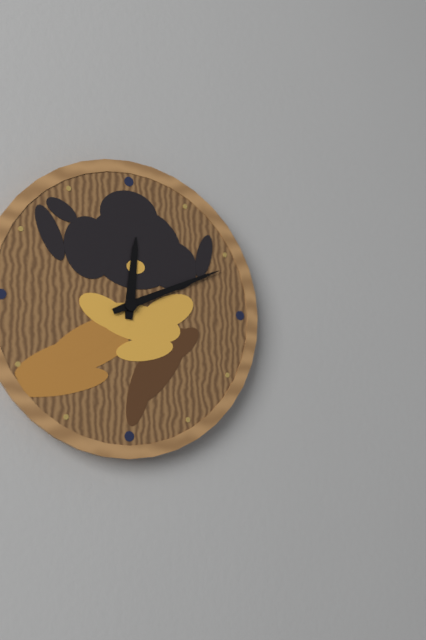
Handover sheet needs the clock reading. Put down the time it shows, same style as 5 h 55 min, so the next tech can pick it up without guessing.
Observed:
12 h 11 min
